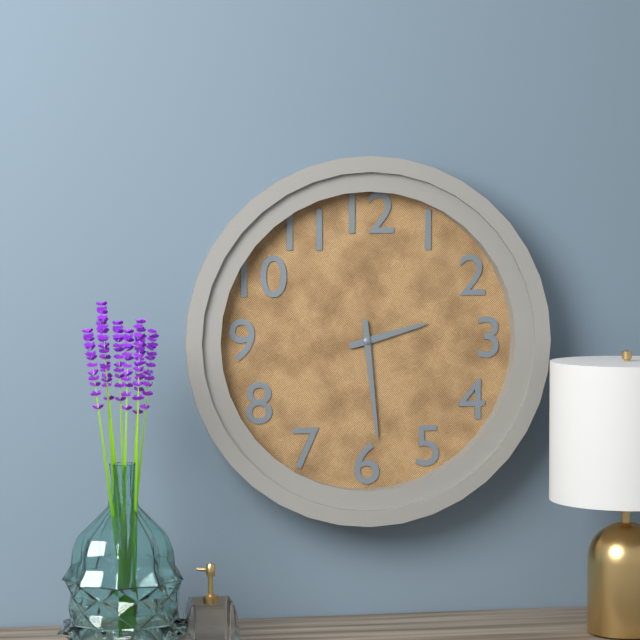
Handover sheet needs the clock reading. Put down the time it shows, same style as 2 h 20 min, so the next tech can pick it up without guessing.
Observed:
2 h 29 min
